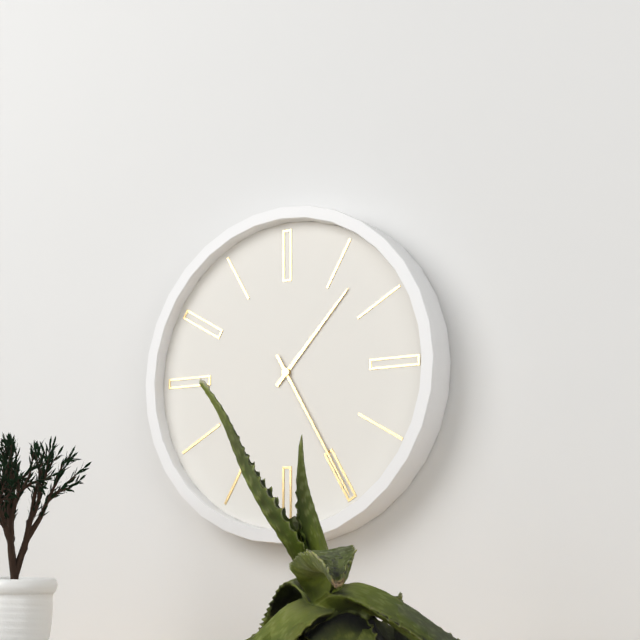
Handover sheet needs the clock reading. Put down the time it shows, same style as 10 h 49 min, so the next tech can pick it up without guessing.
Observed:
1 h 25 min
